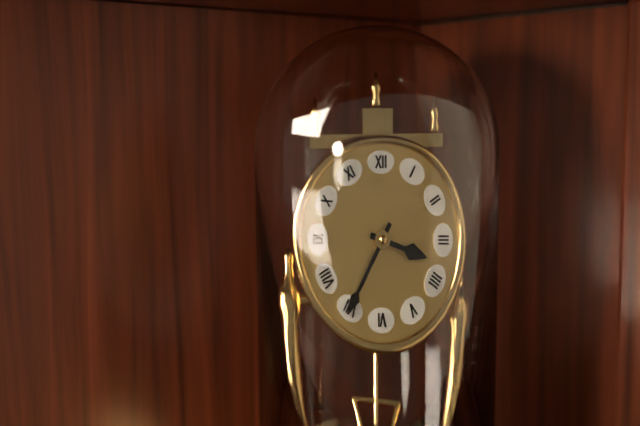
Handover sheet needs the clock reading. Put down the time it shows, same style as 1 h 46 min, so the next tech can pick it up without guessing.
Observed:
3 h 35 min
